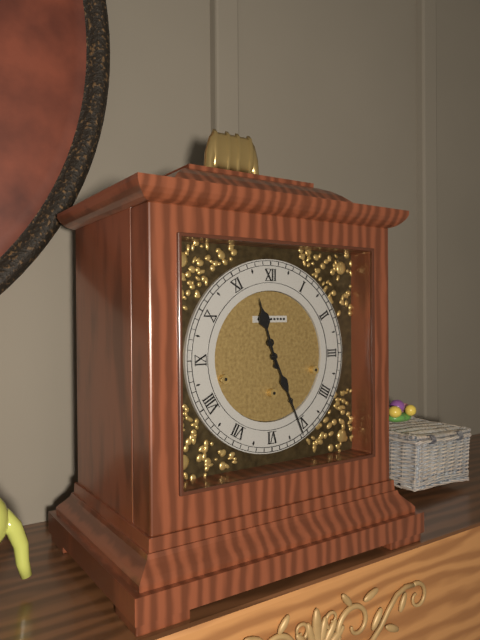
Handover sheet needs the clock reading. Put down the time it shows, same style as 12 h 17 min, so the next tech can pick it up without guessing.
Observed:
11 h 26 min
